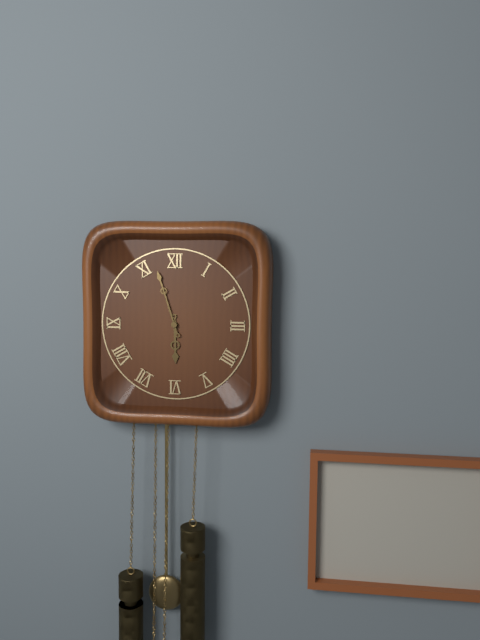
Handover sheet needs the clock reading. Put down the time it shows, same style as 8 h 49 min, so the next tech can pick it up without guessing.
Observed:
5 h 57 min
